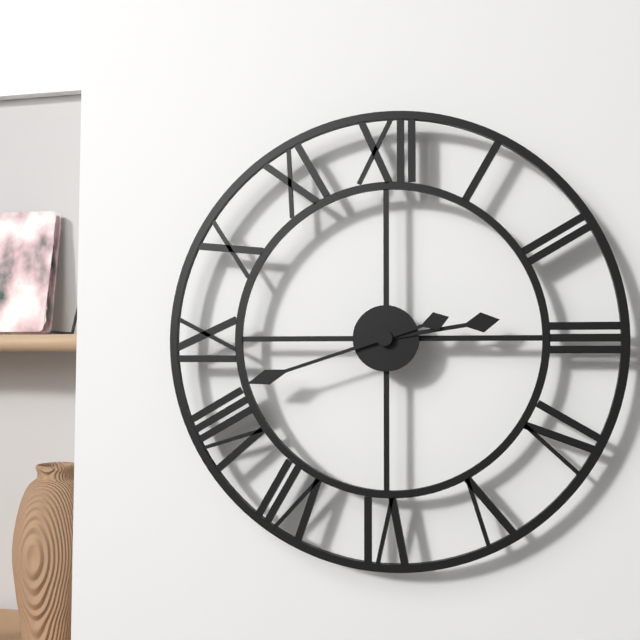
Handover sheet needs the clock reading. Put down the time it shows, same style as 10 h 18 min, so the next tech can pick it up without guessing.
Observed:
2 h 42 min
